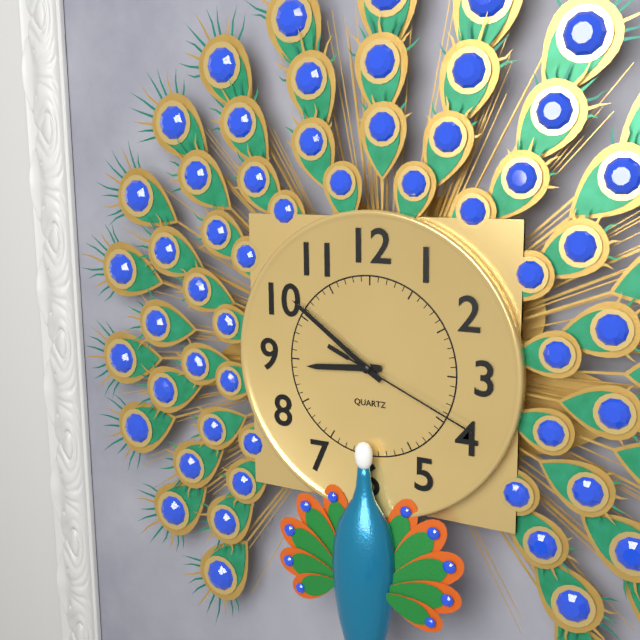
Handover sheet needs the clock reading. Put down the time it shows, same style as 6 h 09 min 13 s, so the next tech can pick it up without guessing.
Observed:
8 h 51 min 19 s
